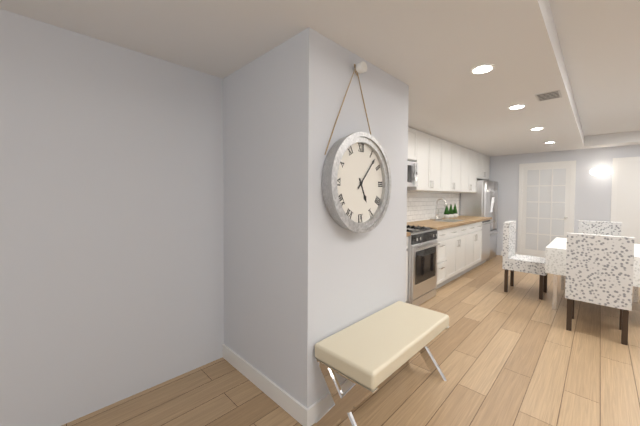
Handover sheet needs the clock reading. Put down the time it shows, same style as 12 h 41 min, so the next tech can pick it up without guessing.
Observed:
5 h 07 min
